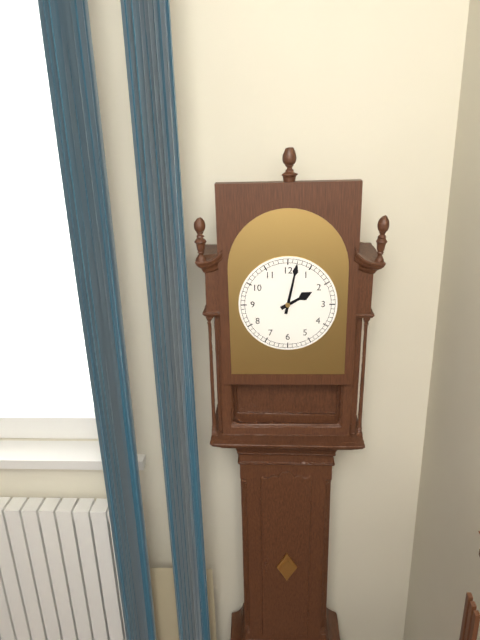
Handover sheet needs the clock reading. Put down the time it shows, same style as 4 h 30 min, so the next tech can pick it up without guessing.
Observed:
2 h 02 min
